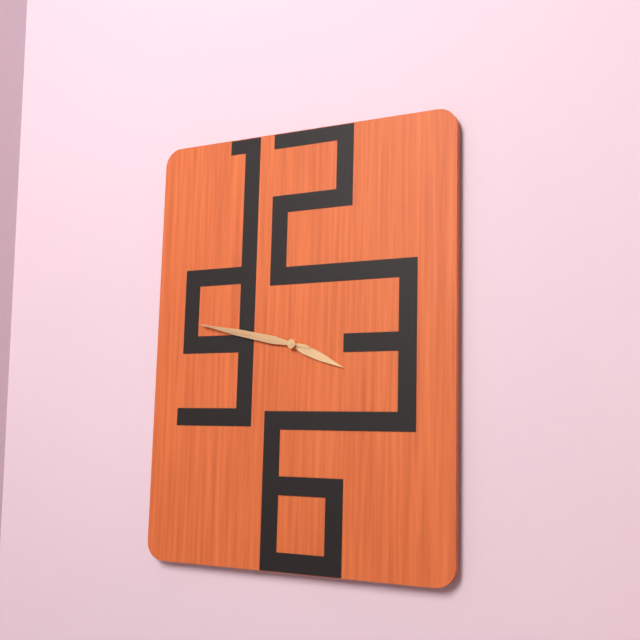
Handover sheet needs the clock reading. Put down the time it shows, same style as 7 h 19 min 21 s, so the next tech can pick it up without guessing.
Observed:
3 h 47 min 47 s
